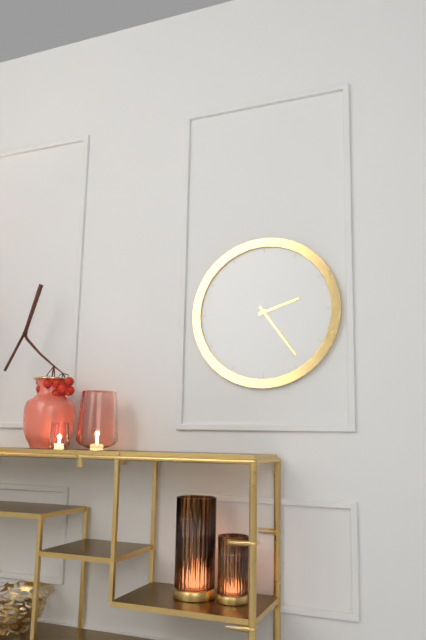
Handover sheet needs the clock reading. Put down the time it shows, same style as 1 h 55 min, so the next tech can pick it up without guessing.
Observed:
2 h 24 min
